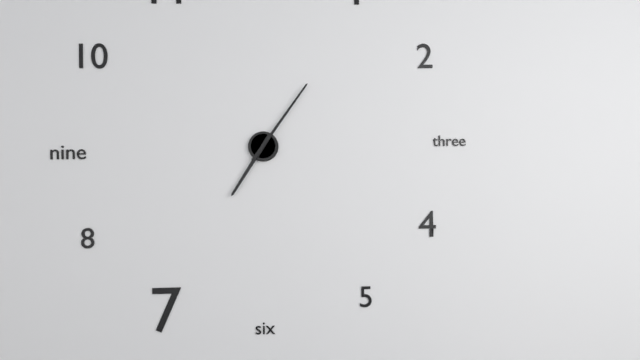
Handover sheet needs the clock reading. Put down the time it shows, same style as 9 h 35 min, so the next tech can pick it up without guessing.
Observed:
7 h 06 min
